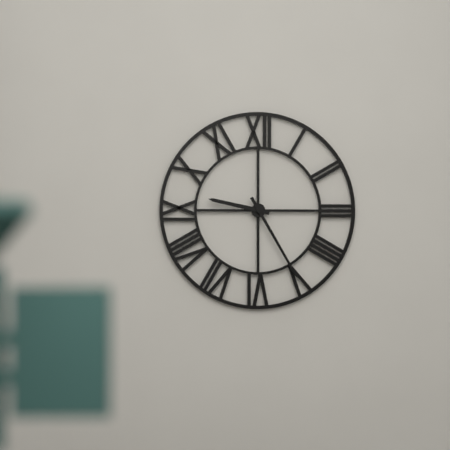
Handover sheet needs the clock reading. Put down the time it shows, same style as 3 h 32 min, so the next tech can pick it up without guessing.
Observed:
9 h 25 min
